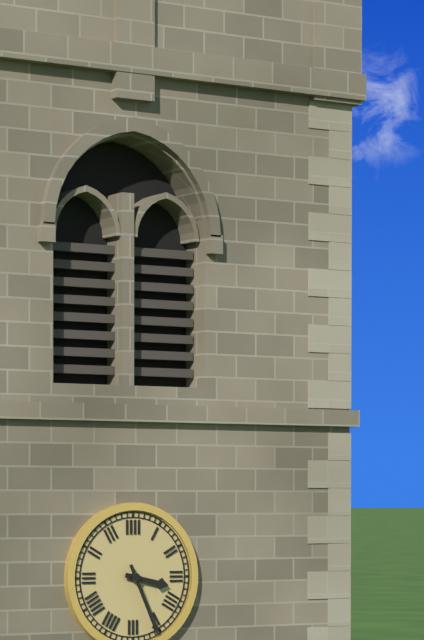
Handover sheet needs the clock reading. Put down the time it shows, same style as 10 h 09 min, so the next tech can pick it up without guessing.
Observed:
3 h 26 min
